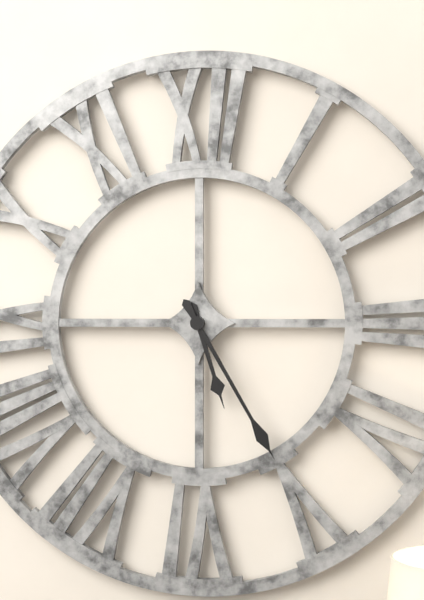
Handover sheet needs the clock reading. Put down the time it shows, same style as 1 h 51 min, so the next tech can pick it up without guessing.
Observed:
5 h 25 min
